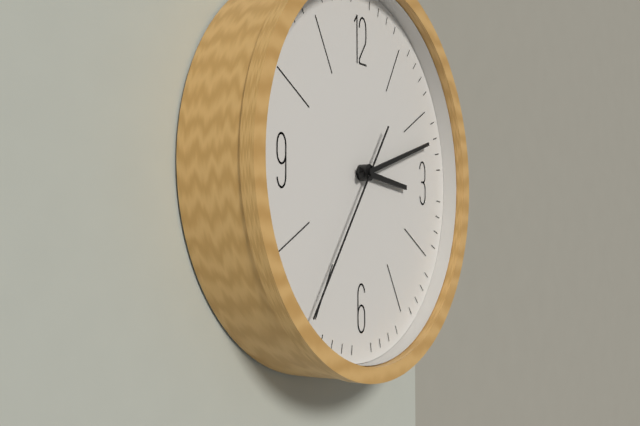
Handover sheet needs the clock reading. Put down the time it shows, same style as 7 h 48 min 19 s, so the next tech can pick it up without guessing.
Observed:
3 h 12 min 36 s
